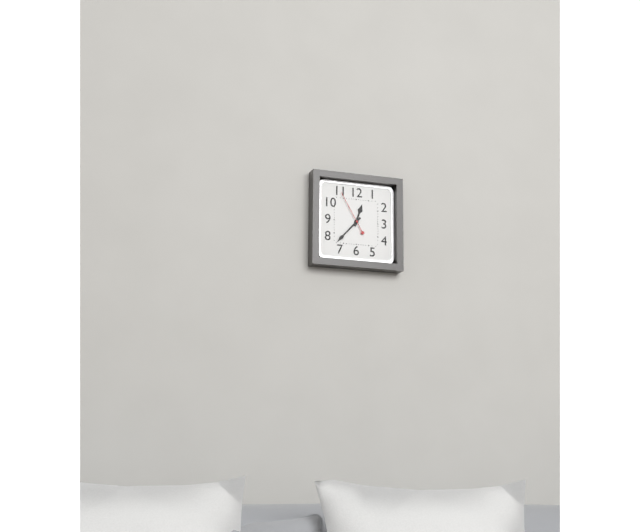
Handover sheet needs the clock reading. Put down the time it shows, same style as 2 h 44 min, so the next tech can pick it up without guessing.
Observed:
12 h 37 min
